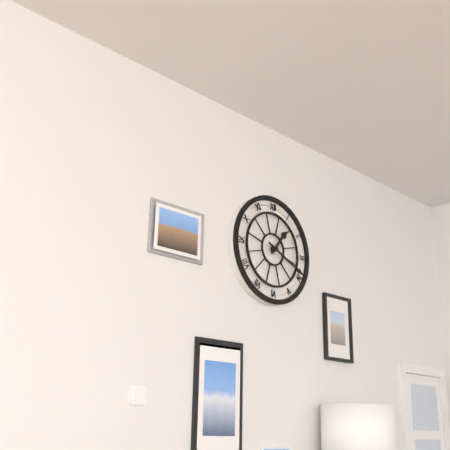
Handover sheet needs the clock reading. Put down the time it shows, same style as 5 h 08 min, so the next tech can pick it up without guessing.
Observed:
1 h 19 min
